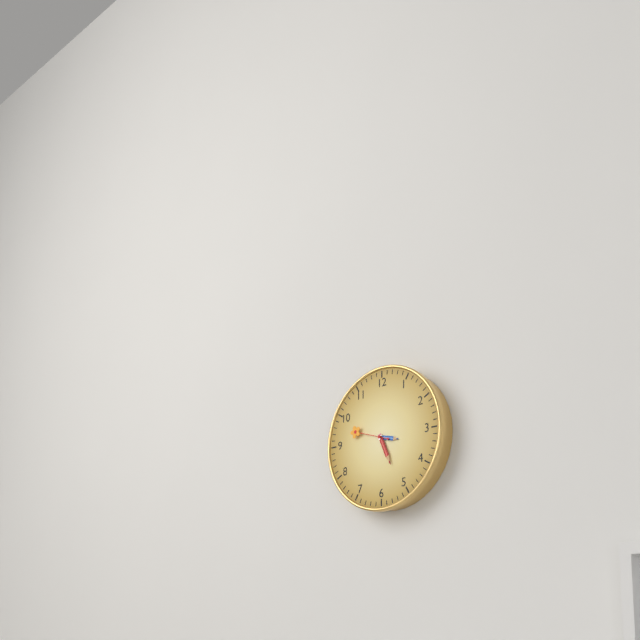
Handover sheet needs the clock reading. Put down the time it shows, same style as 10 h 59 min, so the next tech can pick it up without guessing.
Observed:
3 h 26 min
